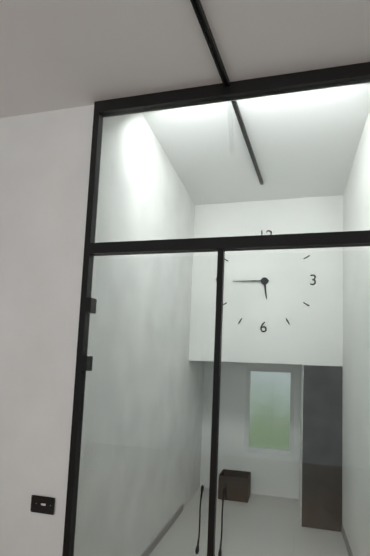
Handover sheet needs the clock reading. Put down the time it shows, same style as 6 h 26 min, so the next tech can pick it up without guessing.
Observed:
5 h 45 min
